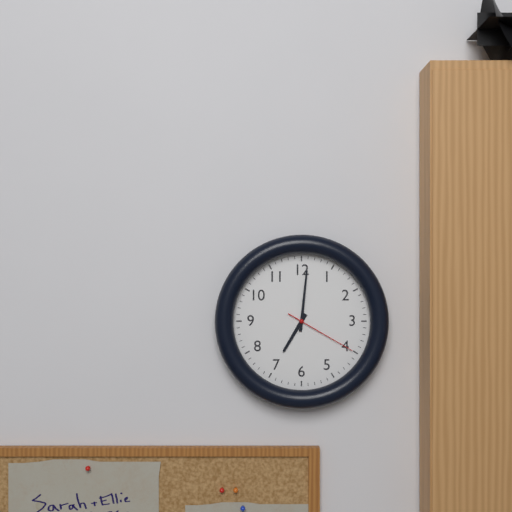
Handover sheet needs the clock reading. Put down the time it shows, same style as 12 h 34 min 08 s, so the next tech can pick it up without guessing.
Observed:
7 h 01 min 20 s
